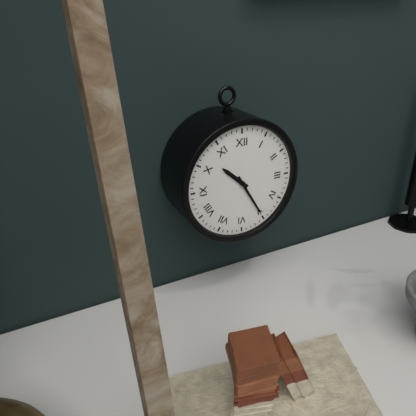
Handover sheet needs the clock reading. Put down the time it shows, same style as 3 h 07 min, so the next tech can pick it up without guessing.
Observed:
10 h 25 min
